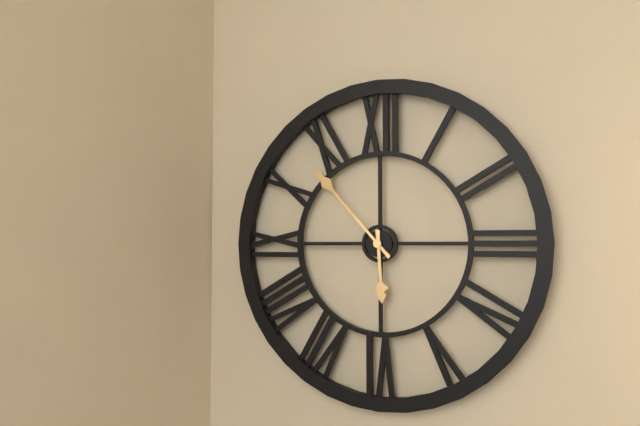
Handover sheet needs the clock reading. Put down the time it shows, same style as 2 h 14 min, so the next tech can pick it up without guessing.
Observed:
5 h 53 min
